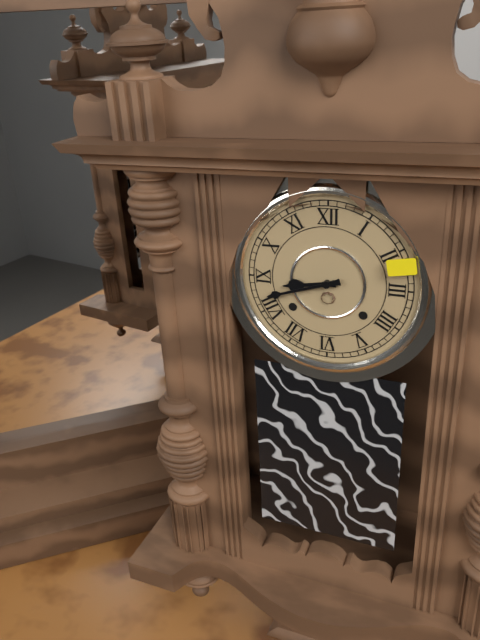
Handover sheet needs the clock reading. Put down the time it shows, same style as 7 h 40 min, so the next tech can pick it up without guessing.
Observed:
8 h 42 min
